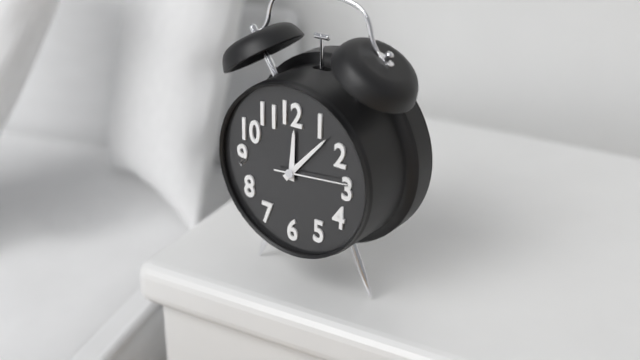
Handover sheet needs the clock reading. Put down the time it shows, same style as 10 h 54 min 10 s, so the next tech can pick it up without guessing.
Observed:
12 h 07 min 14 s
